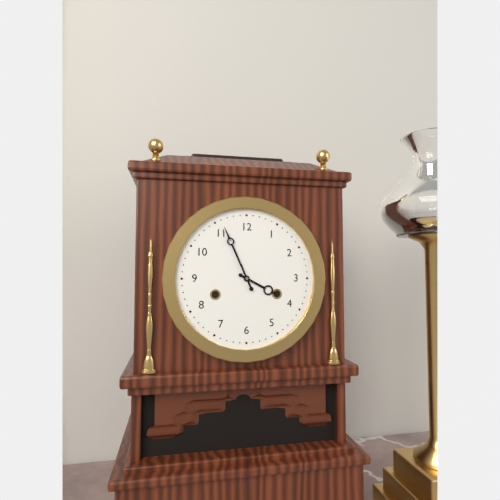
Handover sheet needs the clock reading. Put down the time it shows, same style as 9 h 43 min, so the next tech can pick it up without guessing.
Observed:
3 h 56 min
